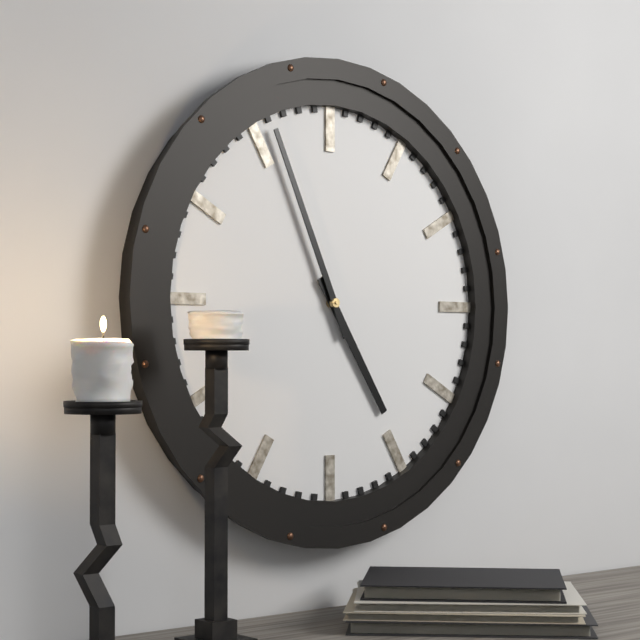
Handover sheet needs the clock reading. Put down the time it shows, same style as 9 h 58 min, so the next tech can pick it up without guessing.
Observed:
4 h 56 min
